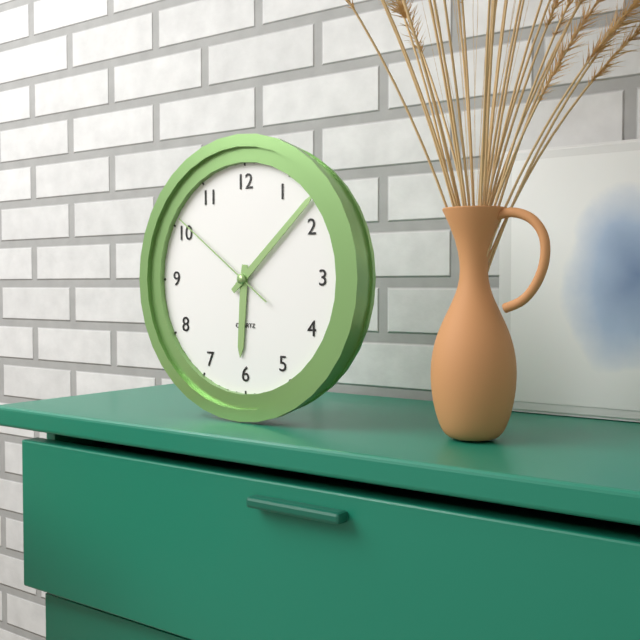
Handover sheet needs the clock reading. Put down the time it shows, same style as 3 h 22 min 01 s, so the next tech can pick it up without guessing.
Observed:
6 h 08 min 51 s
